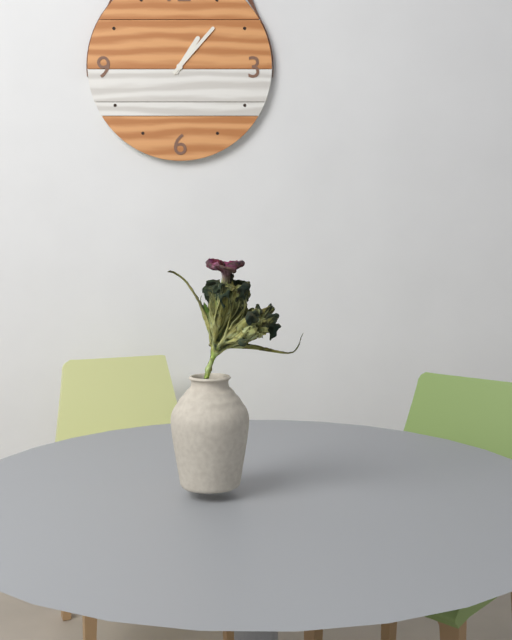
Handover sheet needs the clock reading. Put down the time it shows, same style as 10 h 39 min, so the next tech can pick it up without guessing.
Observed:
1 h 07 min
